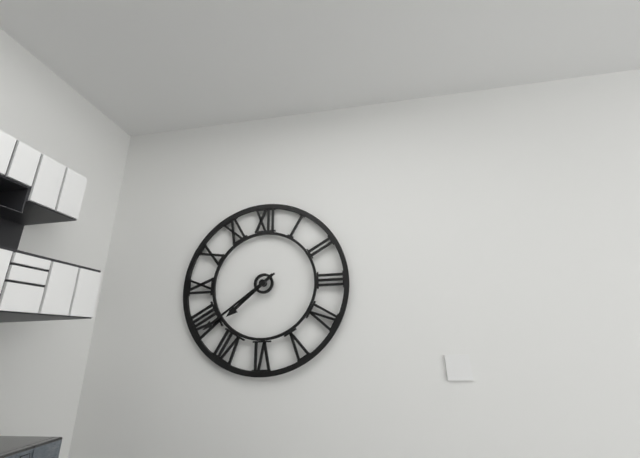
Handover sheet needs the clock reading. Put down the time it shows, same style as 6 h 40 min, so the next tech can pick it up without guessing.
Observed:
7 h 39 min
